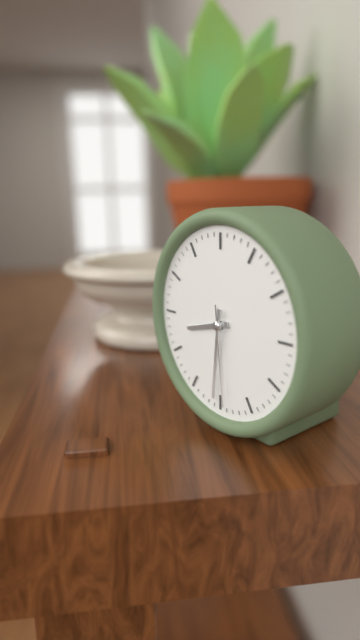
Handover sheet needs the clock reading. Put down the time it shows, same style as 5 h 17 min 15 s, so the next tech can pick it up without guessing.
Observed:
8 h 31 min 29 s
